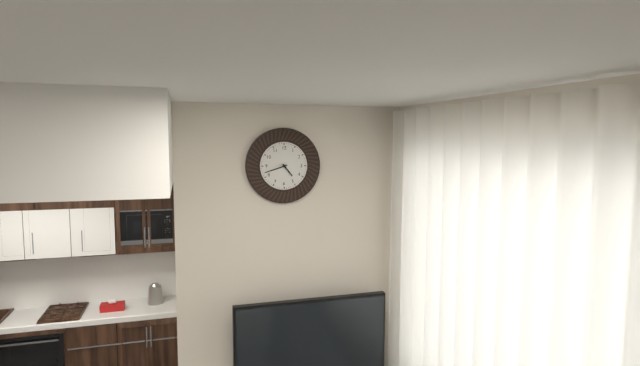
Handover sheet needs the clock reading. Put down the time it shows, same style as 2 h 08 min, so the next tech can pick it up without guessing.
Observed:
4 h 42 min
